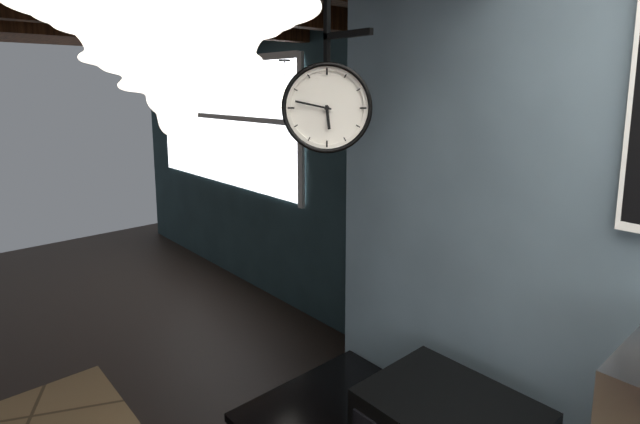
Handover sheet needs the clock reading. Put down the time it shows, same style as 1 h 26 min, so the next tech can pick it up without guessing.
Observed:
5 h 47 min
